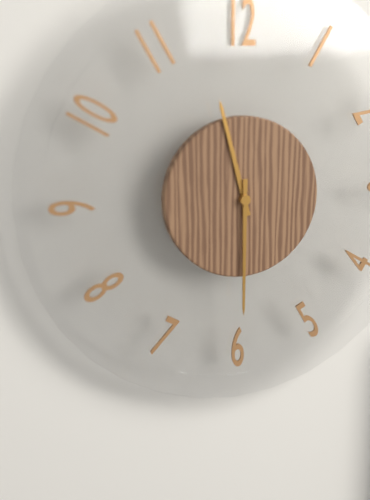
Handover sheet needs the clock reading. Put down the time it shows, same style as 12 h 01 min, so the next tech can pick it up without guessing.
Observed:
11 h 30 min
